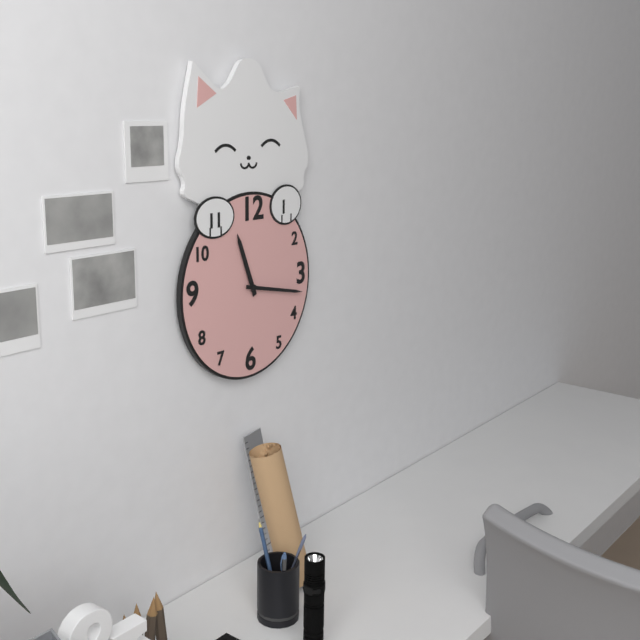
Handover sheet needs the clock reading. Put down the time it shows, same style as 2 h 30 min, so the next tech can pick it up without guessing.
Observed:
11 h 17 min
